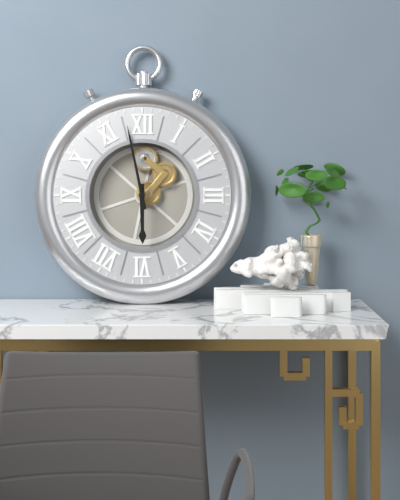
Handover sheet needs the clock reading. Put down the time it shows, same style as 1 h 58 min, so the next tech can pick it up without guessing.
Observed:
5 h 58 min
